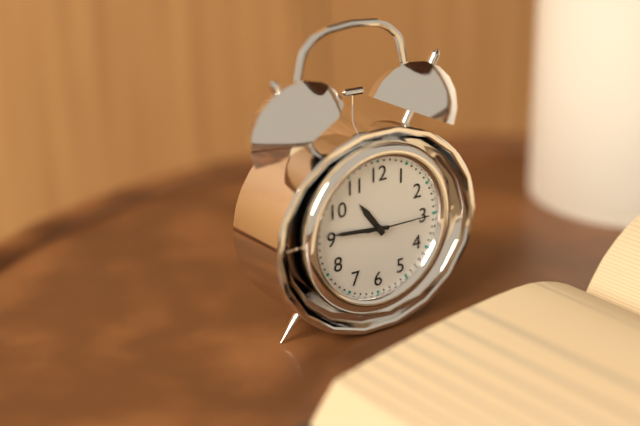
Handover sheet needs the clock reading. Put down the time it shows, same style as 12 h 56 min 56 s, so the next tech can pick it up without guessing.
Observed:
10 h 46 min 15 s
